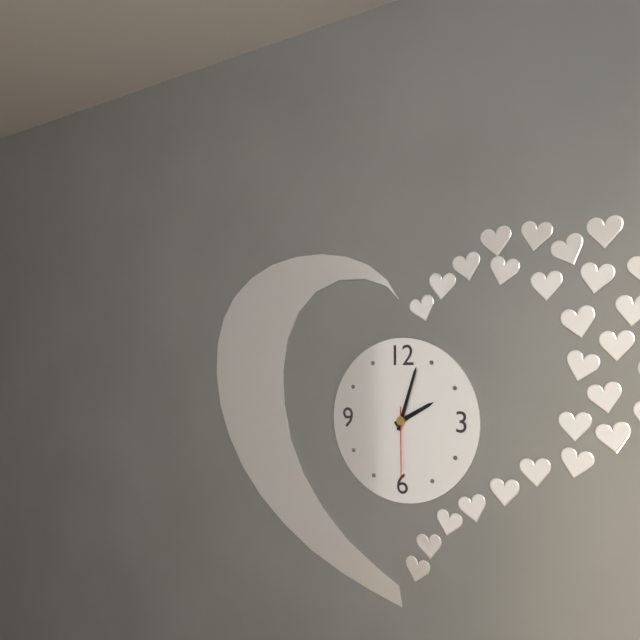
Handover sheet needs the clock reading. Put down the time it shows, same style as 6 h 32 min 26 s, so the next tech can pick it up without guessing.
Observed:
2 h 03 min 30 s
